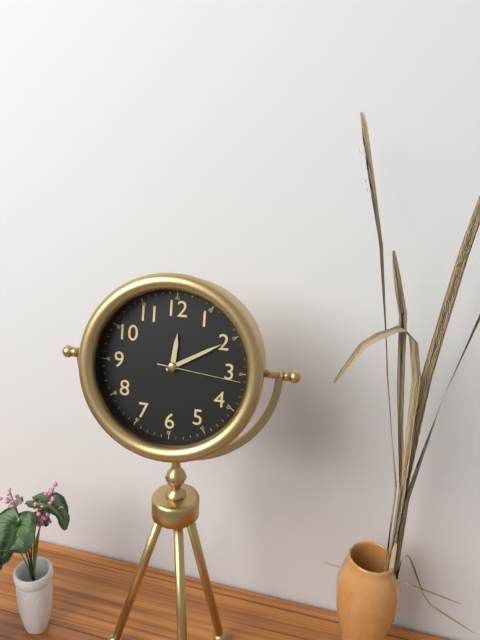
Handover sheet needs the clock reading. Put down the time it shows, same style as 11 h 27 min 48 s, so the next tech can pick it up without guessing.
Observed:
12 h 10 min 16 s
